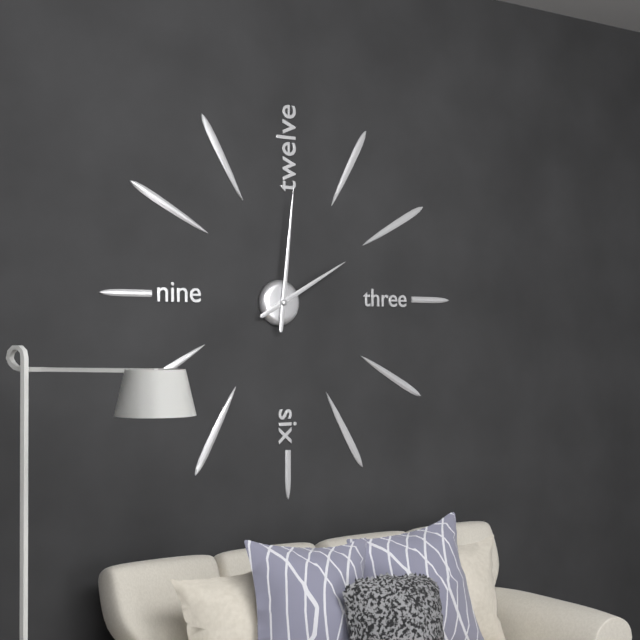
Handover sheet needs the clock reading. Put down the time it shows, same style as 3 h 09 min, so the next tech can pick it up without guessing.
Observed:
2 h 01 min
